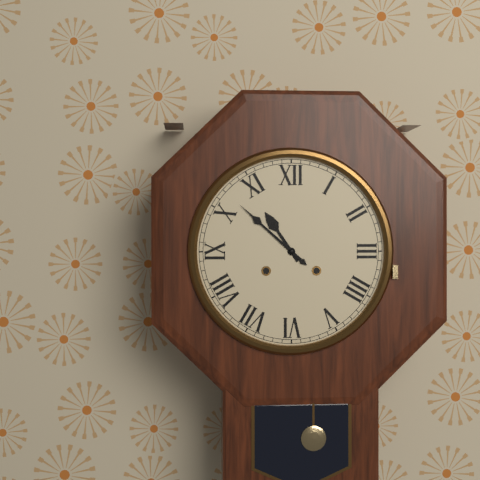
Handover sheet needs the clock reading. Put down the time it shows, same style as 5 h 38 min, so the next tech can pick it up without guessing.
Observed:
10 h 52 min
